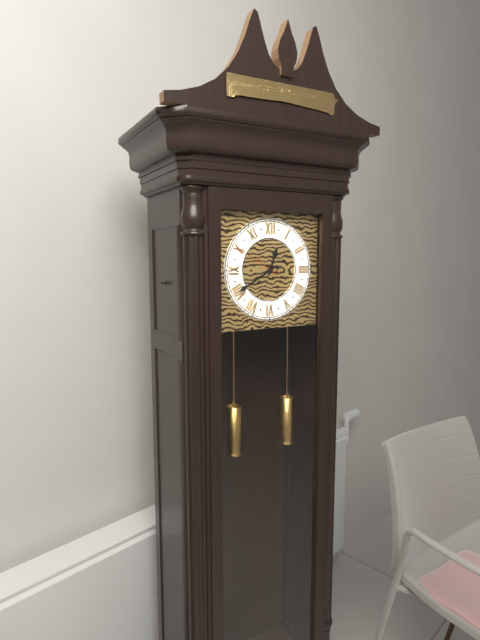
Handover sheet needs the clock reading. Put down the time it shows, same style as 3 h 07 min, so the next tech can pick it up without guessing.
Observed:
12 h 40 min
